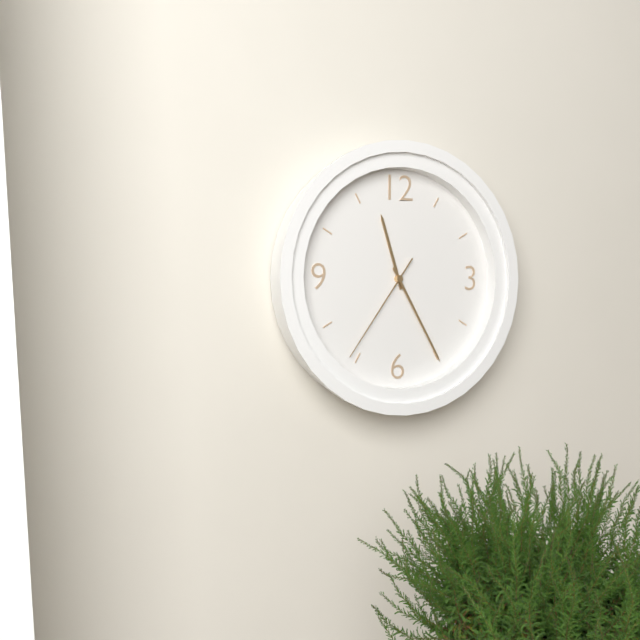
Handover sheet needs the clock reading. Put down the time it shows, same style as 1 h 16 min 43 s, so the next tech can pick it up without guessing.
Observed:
11 h 25 min 36 s
